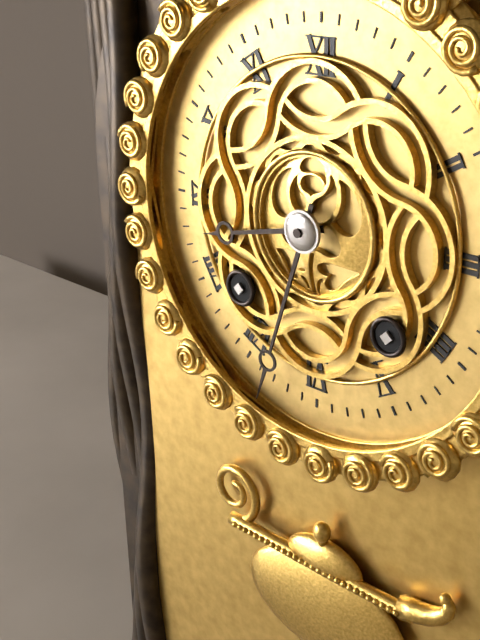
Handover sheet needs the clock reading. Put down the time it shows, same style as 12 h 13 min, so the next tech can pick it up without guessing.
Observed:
8 h 33 min
